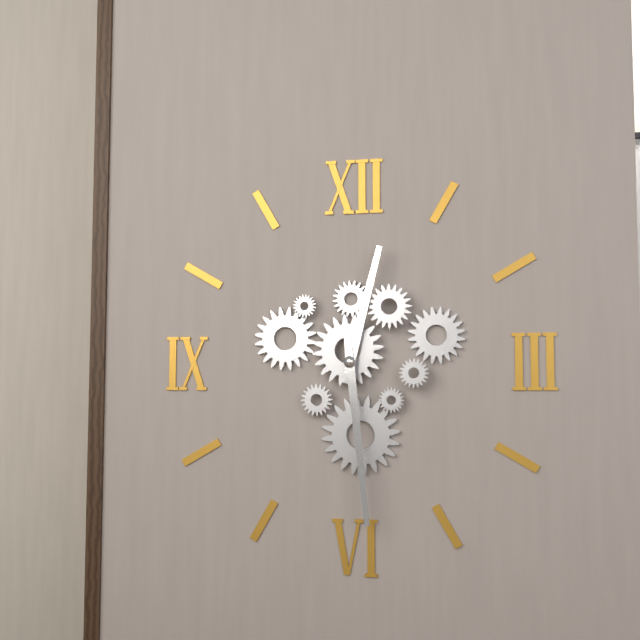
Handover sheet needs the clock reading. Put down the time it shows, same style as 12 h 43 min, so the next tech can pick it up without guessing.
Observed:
12 h 29 min
